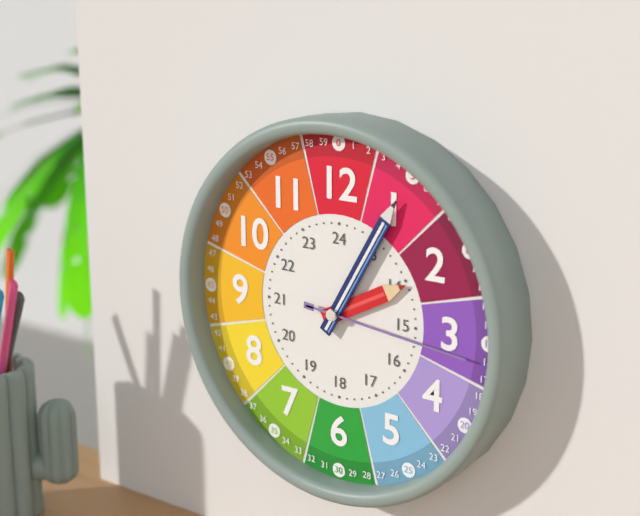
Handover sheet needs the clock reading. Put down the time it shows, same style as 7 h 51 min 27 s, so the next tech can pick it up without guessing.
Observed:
2 h 05 min 16 s
